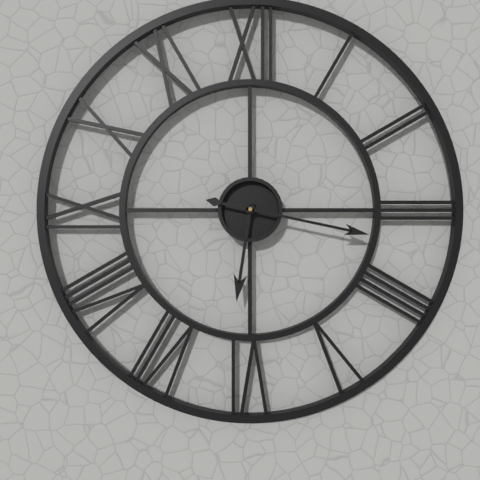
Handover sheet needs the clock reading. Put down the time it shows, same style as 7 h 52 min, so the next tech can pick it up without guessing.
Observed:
6 h 17 min
